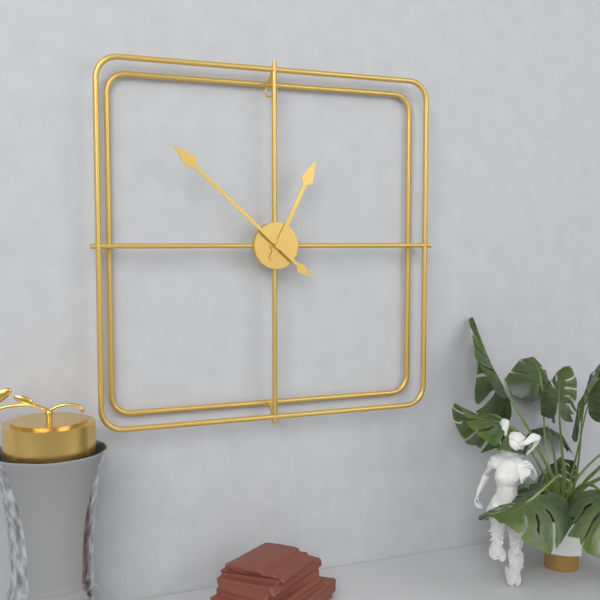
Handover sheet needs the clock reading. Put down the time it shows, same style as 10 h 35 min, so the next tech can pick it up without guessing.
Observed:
12 h 52 min
